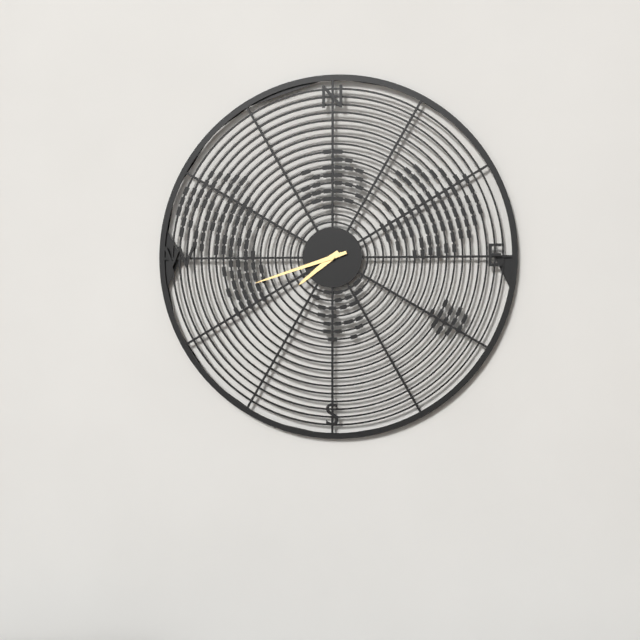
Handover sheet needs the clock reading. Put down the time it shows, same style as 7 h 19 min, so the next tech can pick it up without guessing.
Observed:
7 h 42 min
